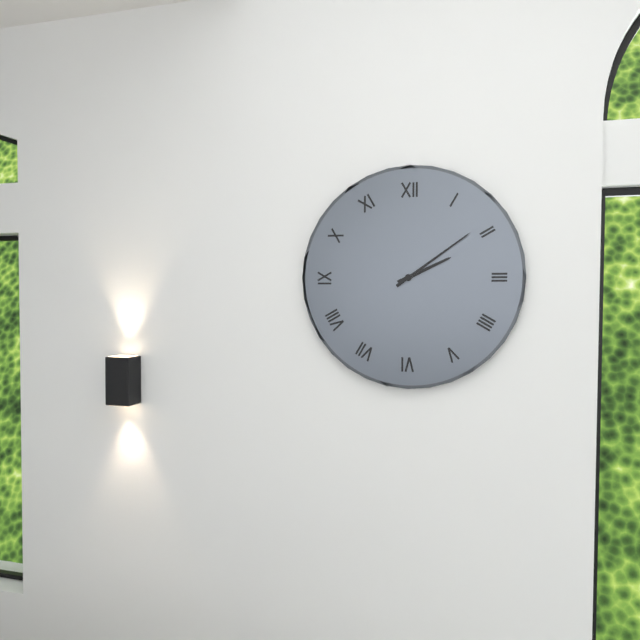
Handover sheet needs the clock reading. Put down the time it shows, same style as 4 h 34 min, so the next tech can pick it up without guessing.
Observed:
2 h 09 min
